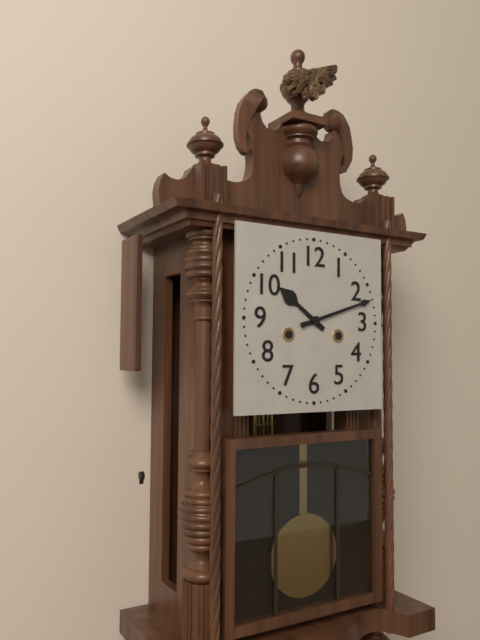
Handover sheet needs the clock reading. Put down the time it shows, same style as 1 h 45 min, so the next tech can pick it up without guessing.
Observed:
10 h 12 min
